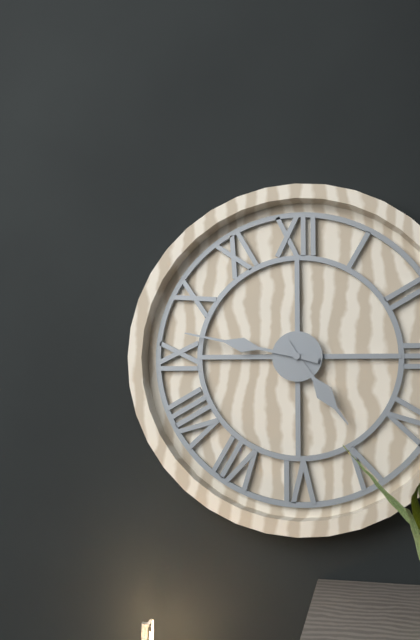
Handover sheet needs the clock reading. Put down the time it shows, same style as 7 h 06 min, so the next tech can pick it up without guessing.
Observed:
4 h 47 min
